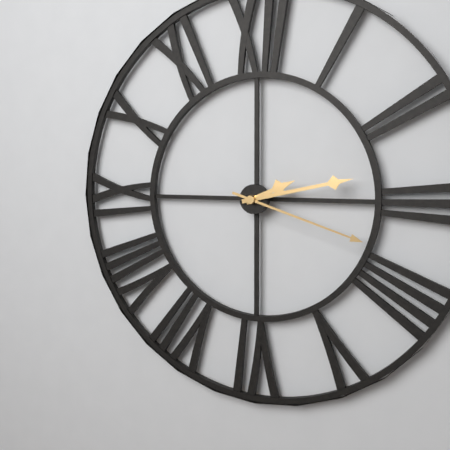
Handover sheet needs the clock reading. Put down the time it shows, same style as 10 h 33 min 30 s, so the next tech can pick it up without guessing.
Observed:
2 h 13 min 18 s
